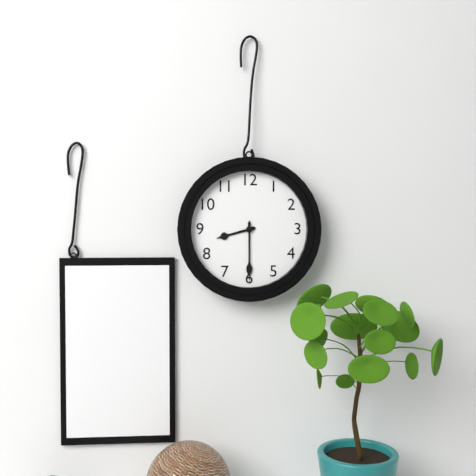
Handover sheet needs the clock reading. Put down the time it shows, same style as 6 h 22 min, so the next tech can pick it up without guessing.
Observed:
8 h 30 min
